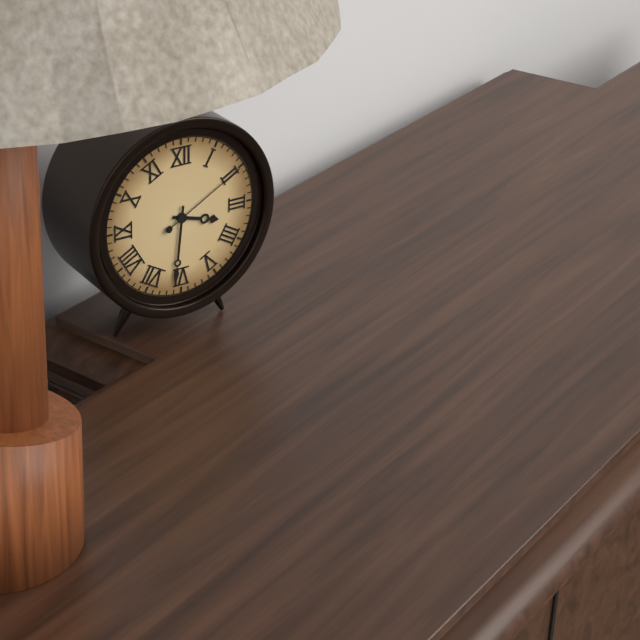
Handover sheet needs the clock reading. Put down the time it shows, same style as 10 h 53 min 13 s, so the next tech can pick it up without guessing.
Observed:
3 h 31 min 10 s
